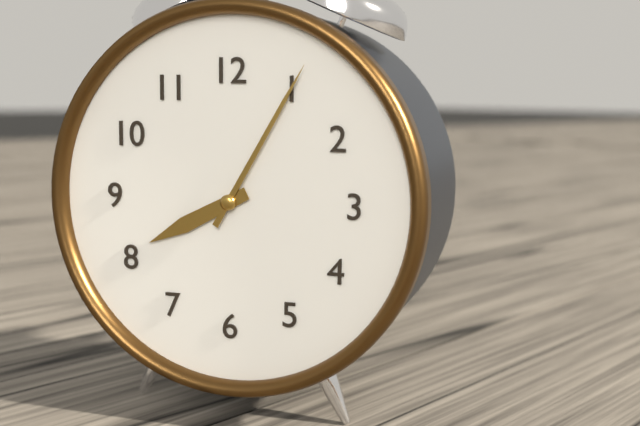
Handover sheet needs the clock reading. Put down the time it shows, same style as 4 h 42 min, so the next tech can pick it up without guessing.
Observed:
8 h 05 min
